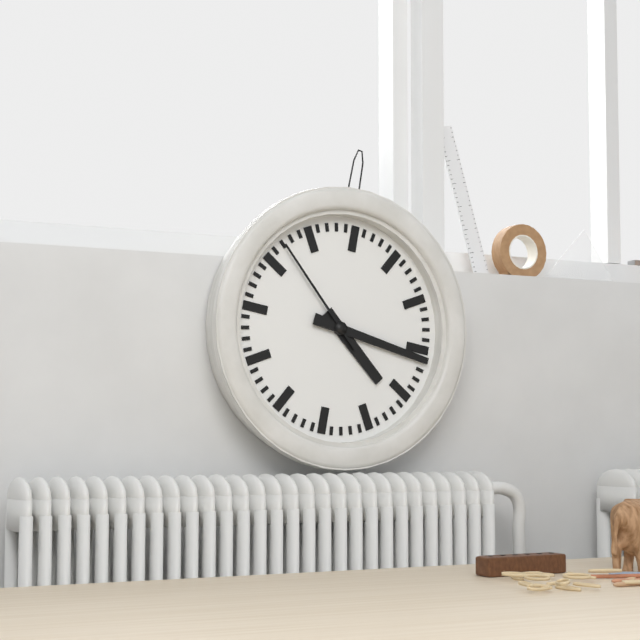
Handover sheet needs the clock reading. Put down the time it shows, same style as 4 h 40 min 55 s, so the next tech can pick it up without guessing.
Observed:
4 h 16 min 52 s
